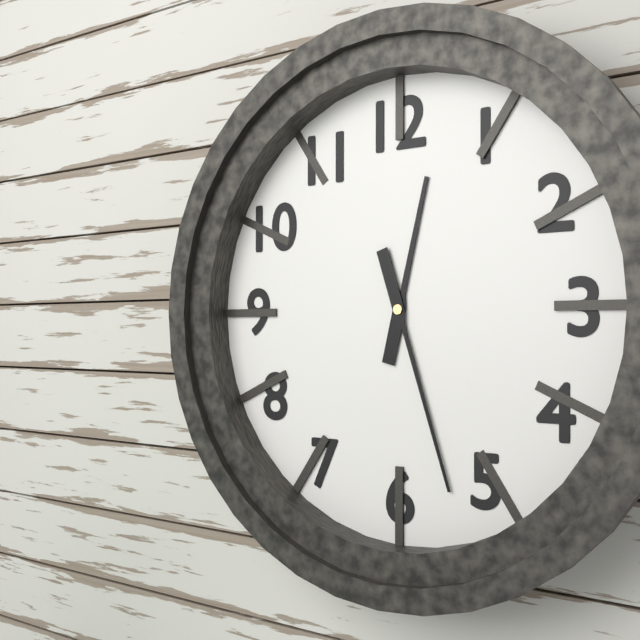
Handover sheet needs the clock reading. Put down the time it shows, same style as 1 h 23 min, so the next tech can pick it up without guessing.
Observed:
12 h 27 min
